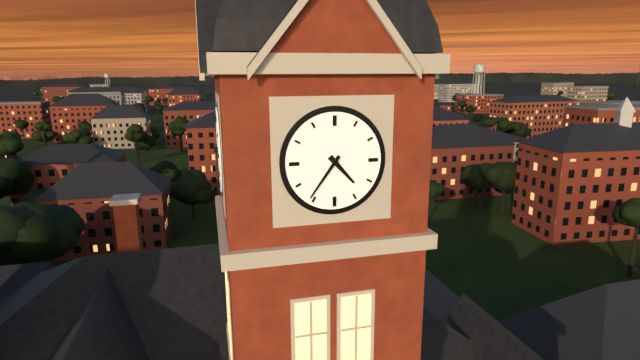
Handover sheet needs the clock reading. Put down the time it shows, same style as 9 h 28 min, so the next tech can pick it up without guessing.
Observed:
4 h 36 min
